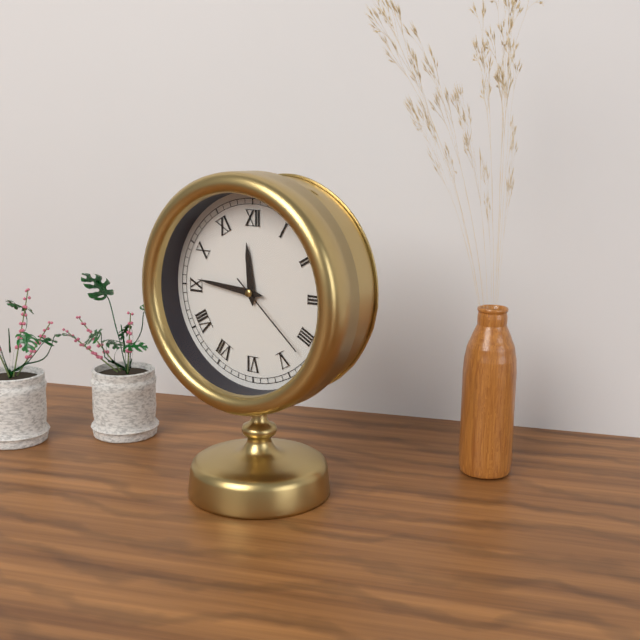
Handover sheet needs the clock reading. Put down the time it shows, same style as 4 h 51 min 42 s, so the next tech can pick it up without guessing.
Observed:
11 h 46 min 22 s
